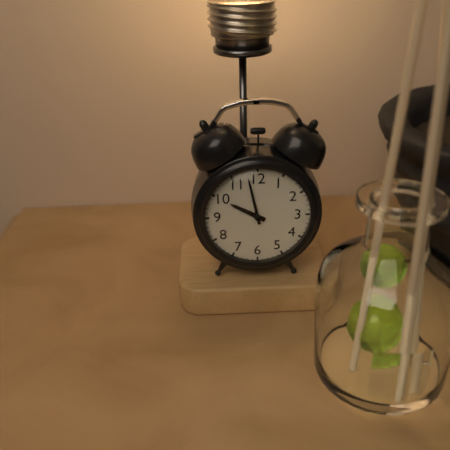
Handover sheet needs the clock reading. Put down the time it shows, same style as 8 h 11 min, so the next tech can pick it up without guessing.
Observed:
9 h 58 min
